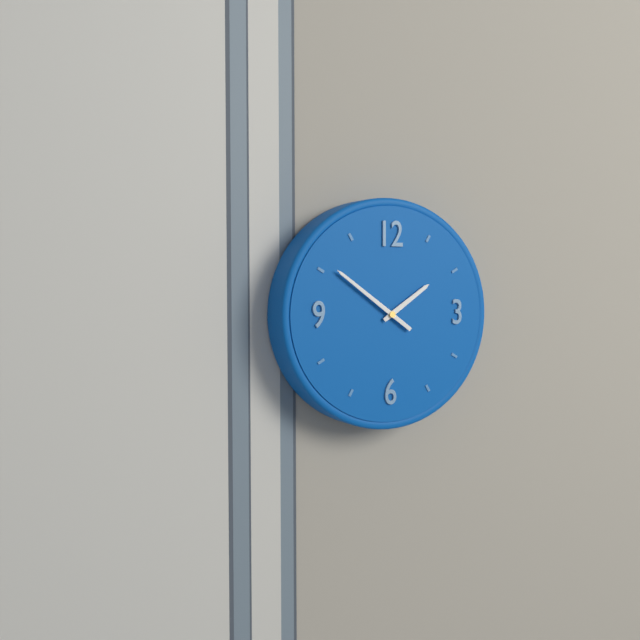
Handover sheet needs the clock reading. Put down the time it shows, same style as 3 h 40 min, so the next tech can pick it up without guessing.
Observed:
1 h 51 min
